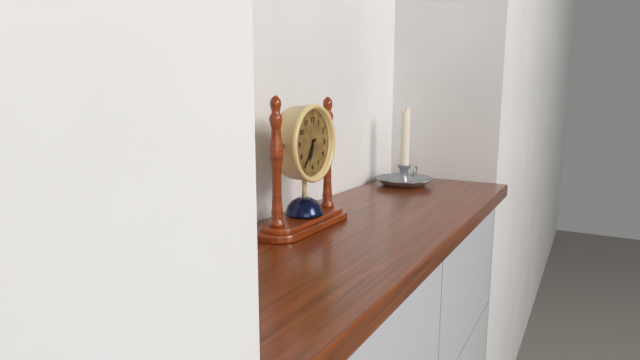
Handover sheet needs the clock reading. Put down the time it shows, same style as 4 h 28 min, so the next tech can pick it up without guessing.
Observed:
6 h 36 min
